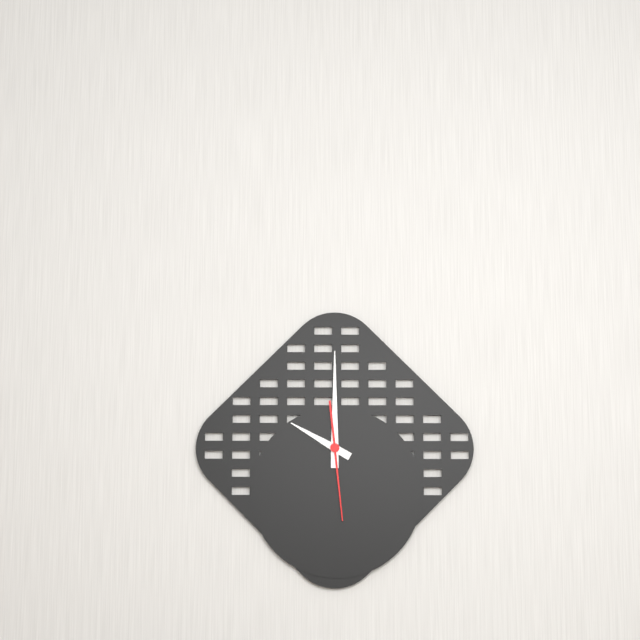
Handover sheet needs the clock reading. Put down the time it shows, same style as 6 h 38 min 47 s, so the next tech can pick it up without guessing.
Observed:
10 h 00 min 29 s
